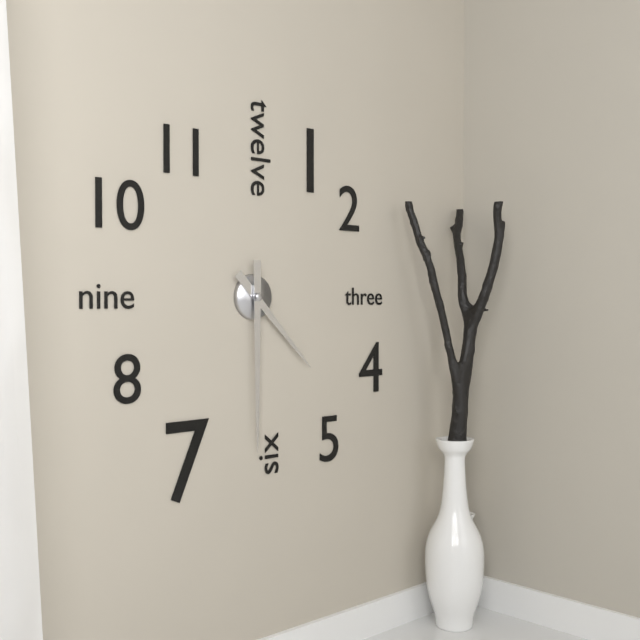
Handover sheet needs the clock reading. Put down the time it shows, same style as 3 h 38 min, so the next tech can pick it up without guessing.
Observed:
4 h 30 min
